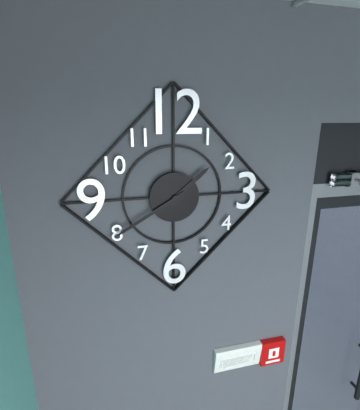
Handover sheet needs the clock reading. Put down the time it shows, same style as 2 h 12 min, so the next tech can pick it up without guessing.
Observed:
1 h 40 min
